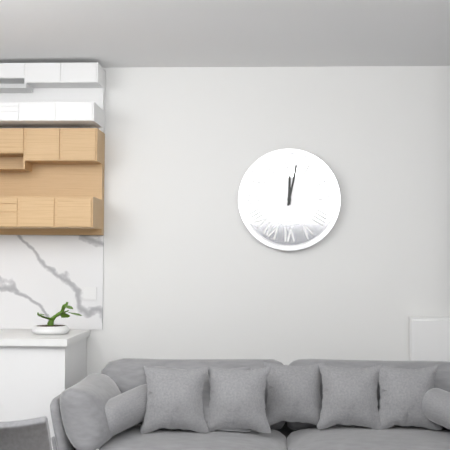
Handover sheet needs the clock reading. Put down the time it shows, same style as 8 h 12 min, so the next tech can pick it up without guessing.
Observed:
12 h 02 min
